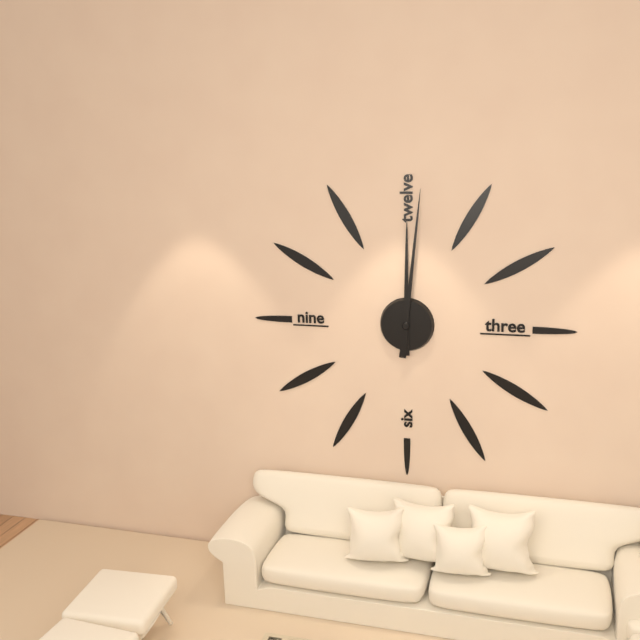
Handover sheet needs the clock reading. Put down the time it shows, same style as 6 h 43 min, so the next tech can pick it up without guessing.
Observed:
12 h 01 min
